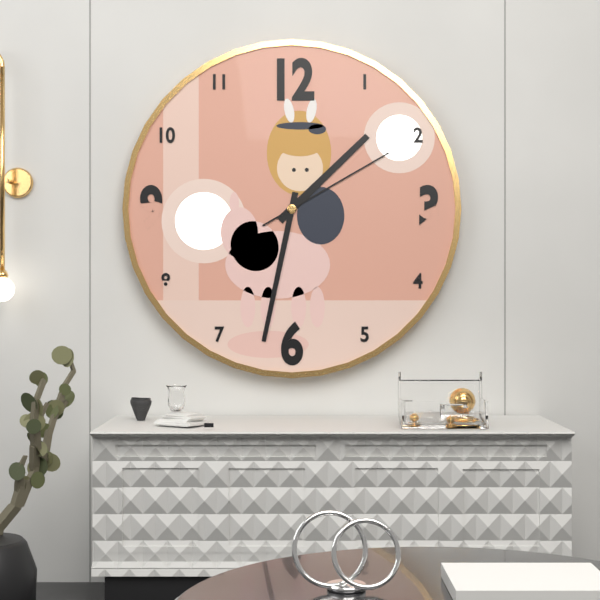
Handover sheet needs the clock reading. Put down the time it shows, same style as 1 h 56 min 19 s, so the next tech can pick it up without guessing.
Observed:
1 h 32 min 10 s
